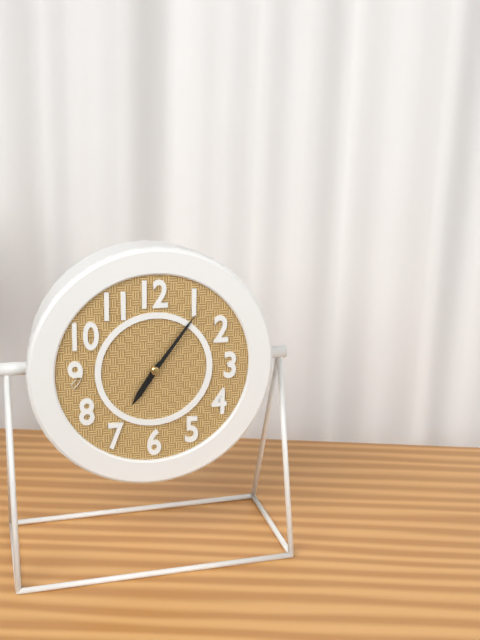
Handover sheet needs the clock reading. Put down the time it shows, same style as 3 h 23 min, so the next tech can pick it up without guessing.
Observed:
7 h 06 min
